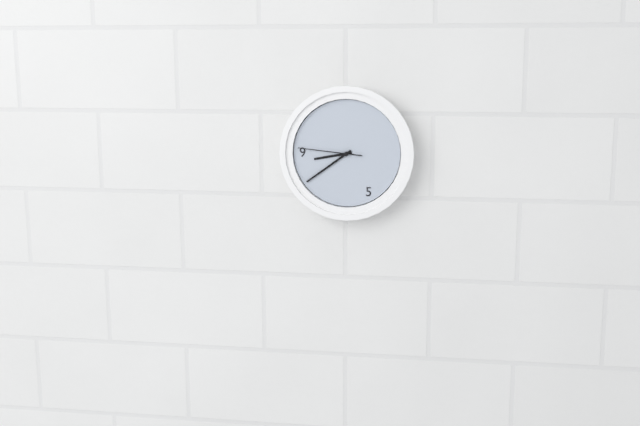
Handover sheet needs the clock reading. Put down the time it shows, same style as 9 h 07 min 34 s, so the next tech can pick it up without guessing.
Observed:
8 h 39 min 46 s
